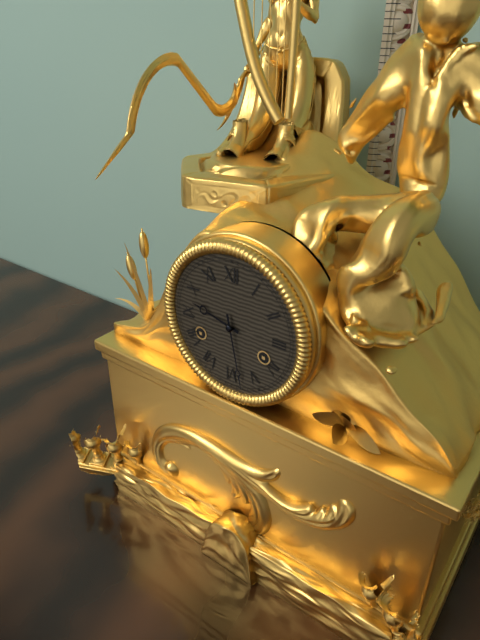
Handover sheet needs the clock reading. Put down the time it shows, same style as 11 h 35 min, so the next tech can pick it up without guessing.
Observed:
9 h 28 min
